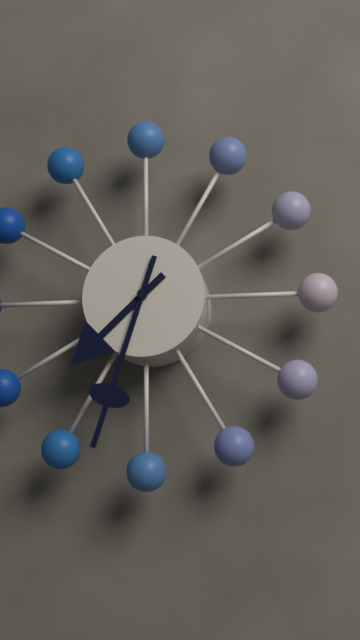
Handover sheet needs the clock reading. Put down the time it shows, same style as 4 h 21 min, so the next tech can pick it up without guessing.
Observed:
7 h 33 min
